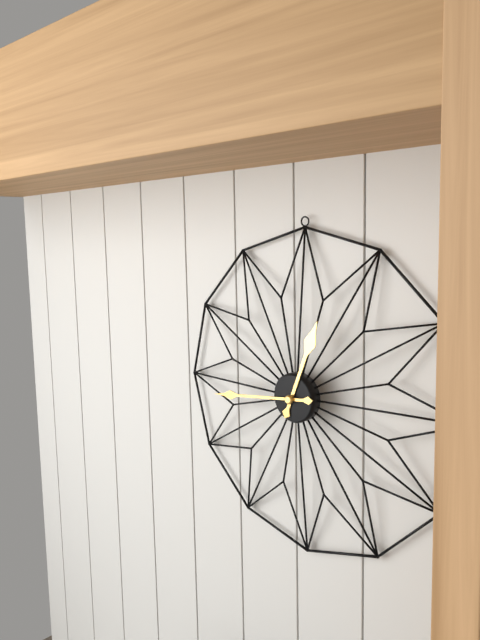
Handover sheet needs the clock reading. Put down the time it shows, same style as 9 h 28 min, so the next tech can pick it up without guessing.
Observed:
12 h 44 min
